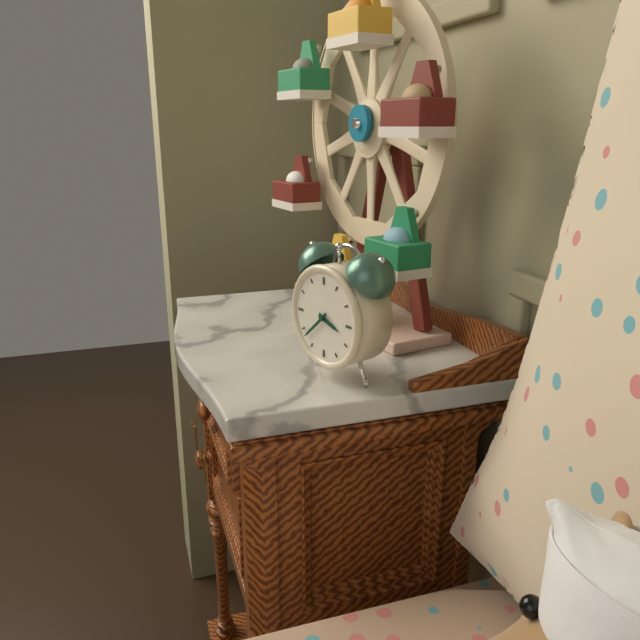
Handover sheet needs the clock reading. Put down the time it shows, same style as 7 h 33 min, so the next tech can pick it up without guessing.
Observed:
3 h 38 min
